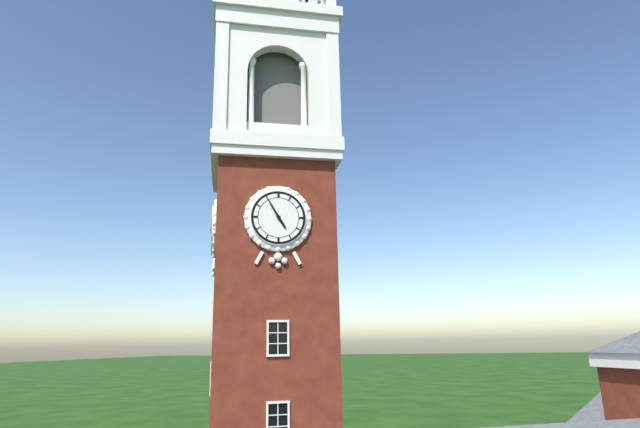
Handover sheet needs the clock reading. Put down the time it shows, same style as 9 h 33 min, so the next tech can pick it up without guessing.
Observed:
4 h 55 min
